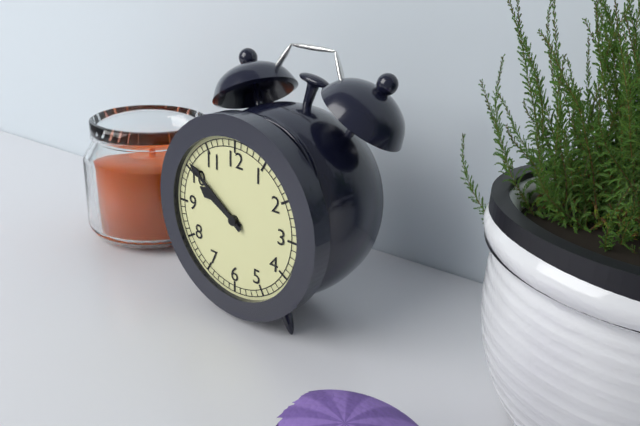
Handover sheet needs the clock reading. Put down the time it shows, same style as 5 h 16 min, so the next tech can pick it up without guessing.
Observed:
9 h 51 min
